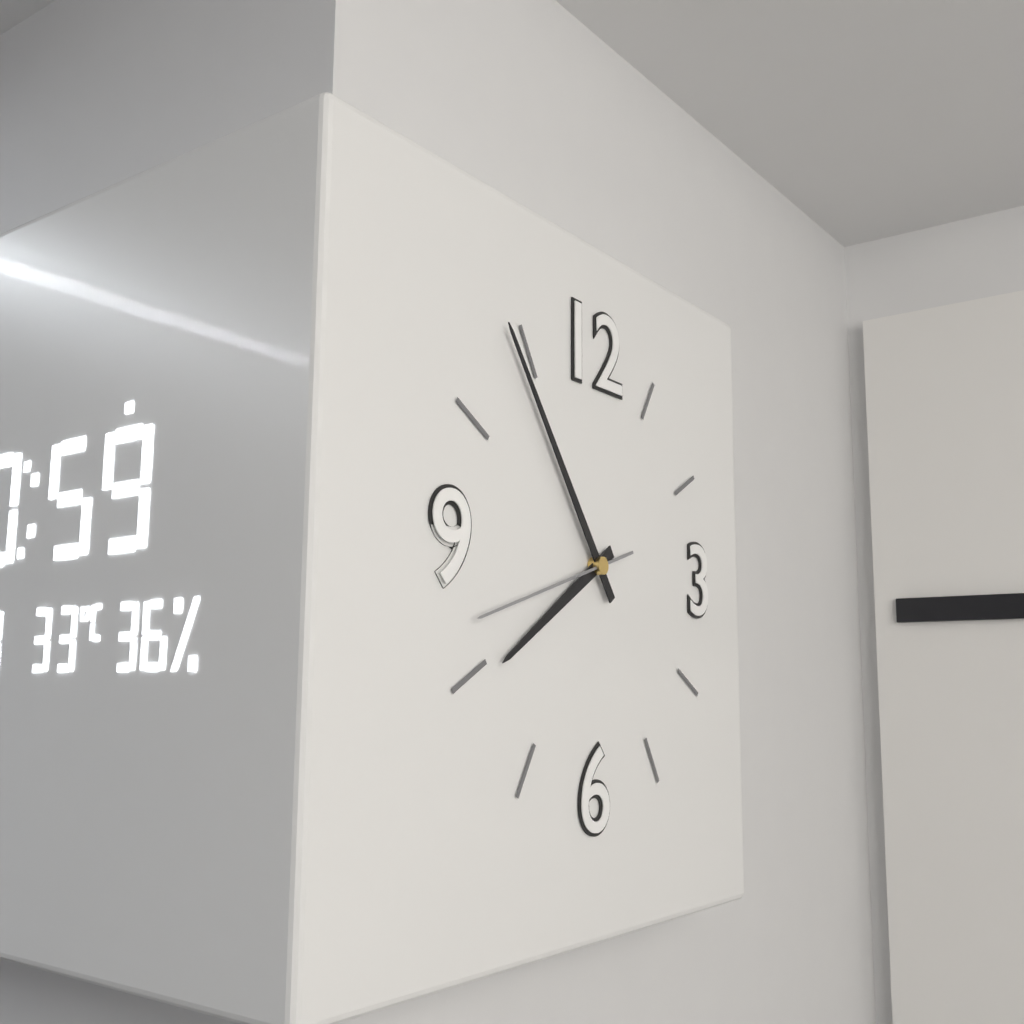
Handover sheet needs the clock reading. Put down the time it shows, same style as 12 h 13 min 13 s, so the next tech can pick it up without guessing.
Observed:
7 h 54 min 42 s
